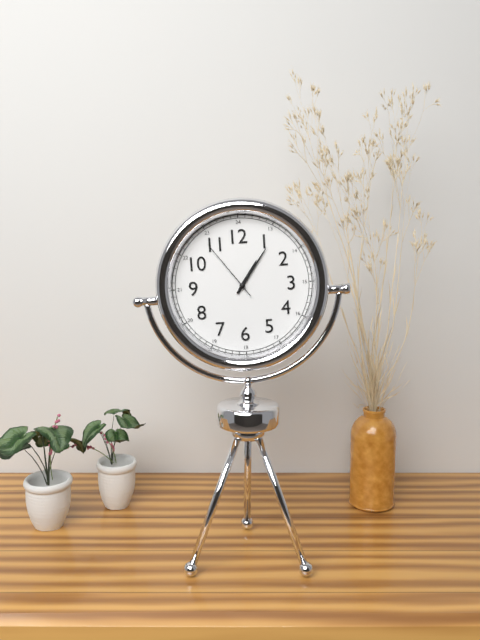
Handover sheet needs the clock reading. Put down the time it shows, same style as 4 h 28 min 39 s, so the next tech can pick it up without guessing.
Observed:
1 h 06 min 54 s
